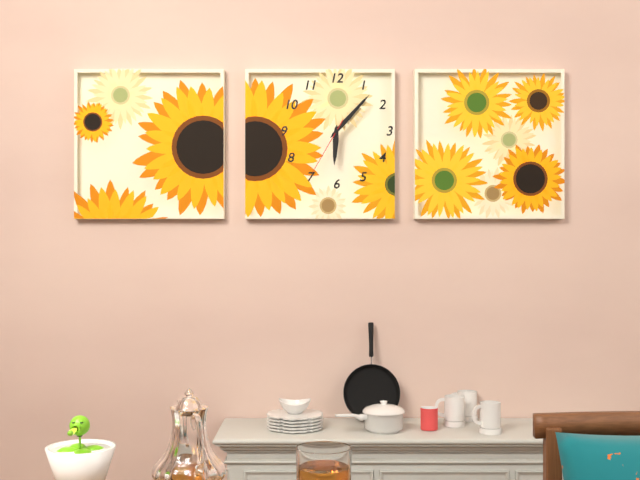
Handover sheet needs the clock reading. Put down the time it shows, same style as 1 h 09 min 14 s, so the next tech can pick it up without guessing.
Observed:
6 h 07 min 35 s
